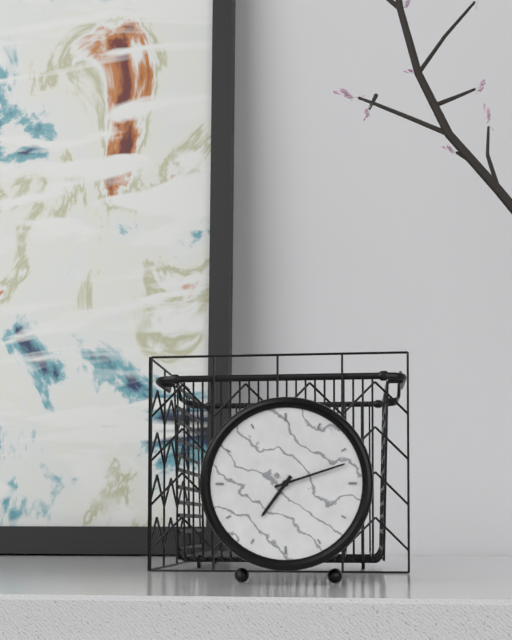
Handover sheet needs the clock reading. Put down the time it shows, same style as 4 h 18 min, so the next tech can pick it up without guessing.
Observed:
7 h 12 min
